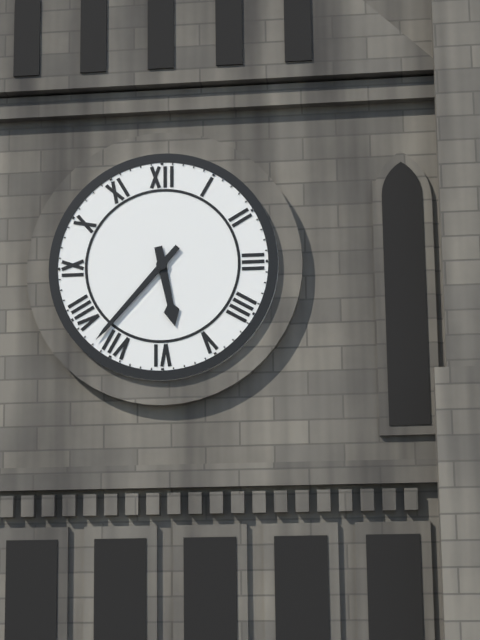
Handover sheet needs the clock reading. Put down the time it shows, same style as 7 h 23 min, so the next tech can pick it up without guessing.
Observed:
5 h 37 min
